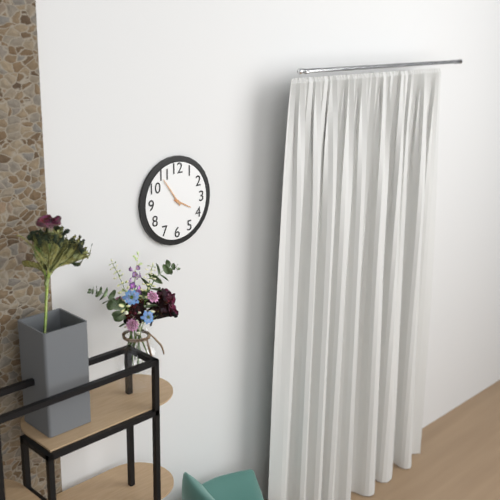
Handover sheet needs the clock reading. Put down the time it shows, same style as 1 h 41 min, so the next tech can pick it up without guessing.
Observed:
3 h 54 min
